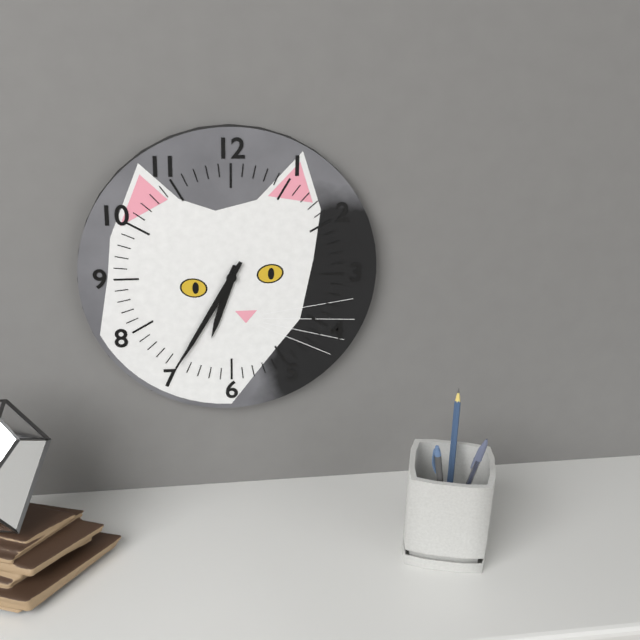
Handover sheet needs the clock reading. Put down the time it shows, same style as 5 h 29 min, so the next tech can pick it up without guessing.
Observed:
6 h 35 min
